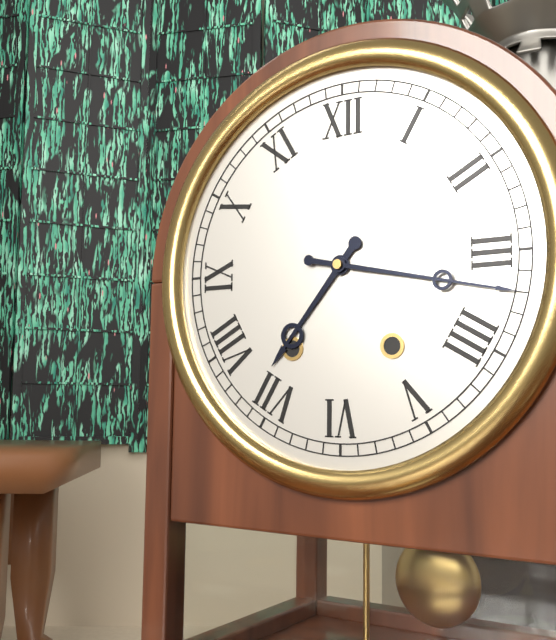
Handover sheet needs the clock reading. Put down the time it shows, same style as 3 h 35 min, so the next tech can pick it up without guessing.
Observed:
7 h 17 min
